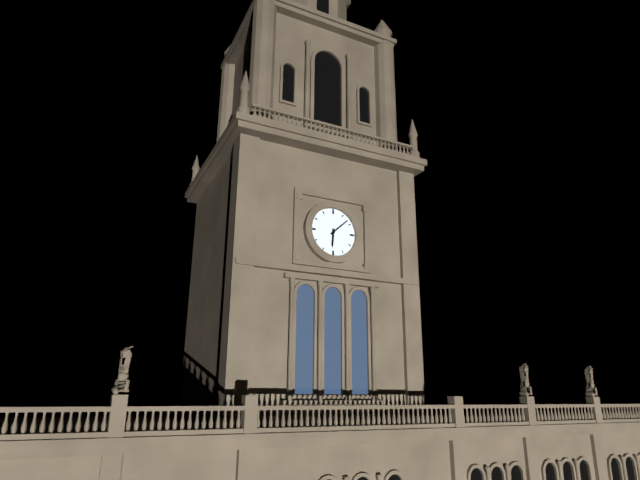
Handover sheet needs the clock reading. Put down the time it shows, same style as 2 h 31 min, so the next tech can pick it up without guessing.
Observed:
6 h 08 min
